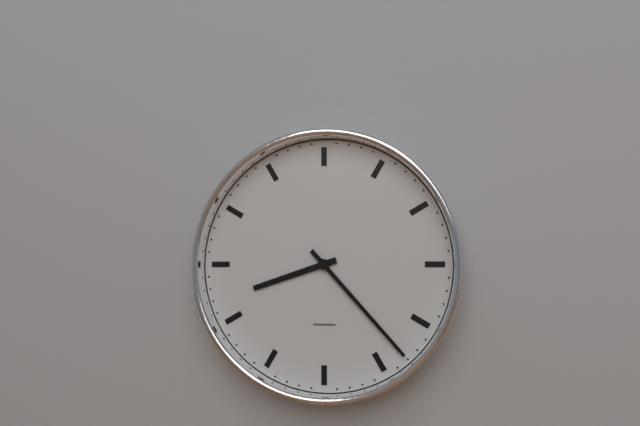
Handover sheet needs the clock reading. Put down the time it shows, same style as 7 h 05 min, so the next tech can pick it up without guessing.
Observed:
8 h 23 min
